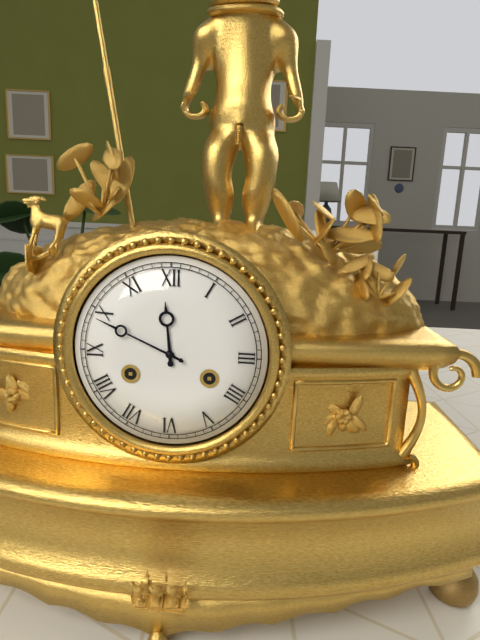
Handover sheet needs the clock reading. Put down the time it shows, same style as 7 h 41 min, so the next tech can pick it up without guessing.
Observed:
11 h 49 min
